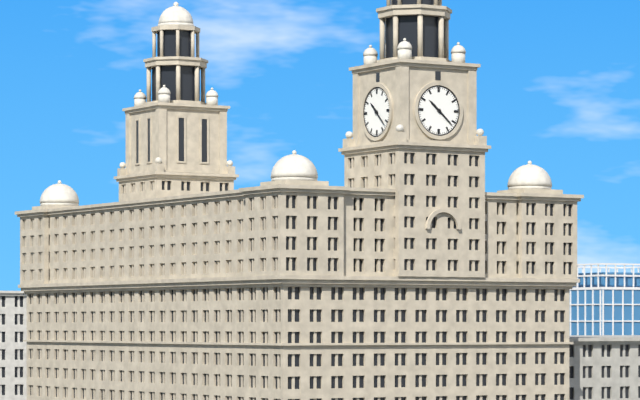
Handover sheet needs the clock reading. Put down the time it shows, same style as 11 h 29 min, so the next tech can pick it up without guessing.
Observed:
10 h 22 min
